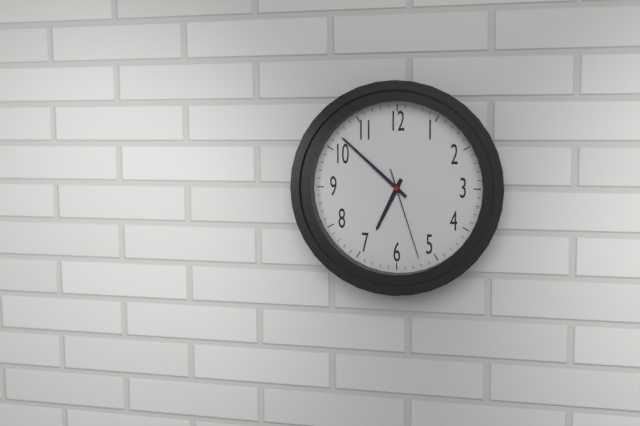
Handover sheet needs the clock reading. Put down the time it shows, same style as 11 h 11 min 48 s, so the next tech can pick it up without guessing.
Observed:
6 h 52 min 27 s
